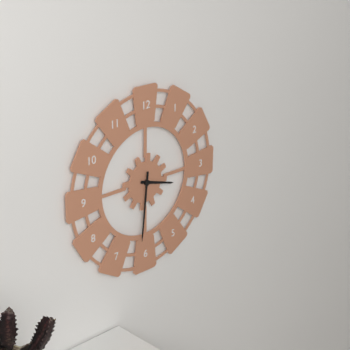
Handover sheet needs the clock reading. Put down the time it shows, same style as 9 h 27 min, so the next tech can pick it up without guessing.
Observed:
3 h 31 min
